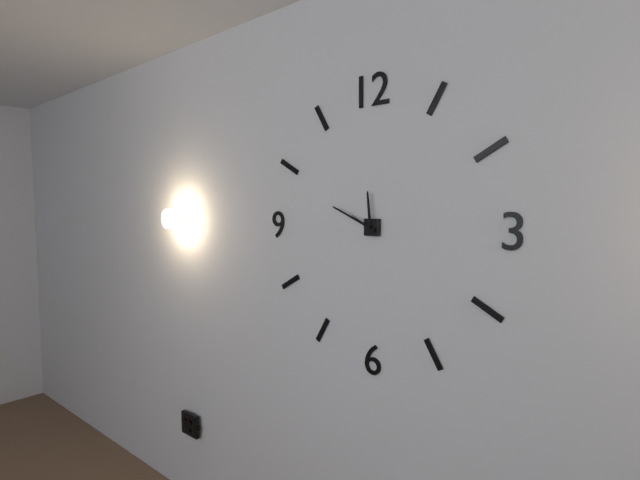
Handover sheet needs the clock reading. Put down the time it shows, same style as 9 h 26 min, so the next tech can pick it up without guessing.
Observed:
11 h 49 min
